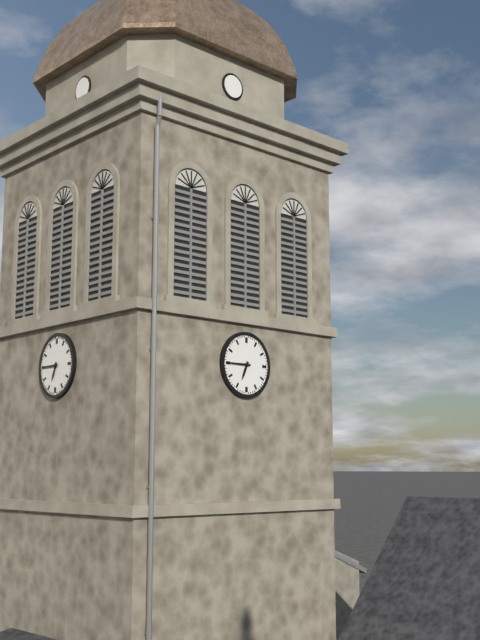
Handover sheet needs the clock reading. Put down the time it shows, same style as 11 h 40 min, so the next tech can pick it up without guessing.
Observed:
6 h 45 min
